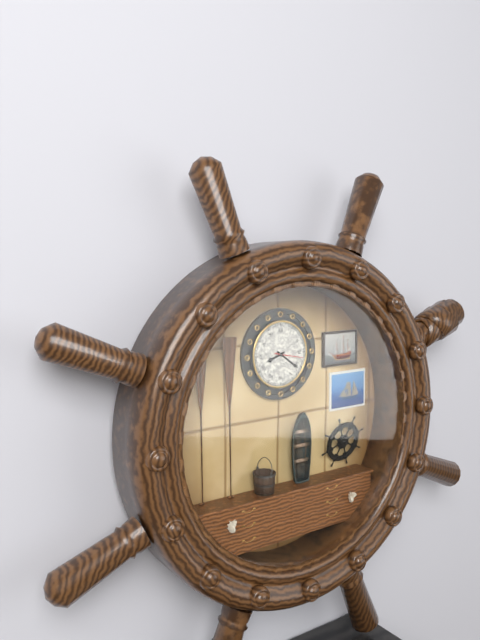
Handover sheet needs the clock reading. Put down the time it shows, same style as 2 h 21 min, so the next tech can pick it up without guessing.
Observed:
8 h 21 min
